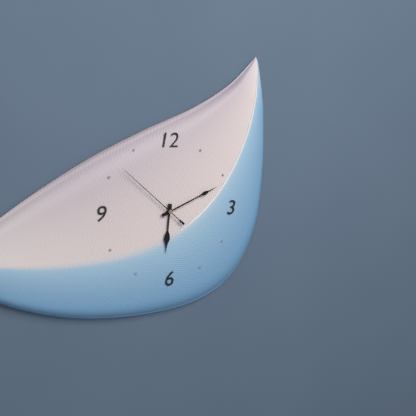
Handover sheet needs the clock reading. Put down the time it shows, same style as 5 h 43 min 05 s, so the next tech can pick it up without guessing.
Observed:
6 h 11 min 52 s
